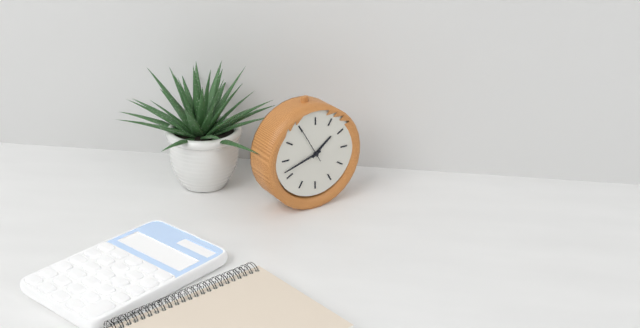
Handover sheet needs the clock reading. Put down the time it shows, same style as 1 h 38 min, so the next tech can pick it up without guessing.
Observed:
1 h 42 min
